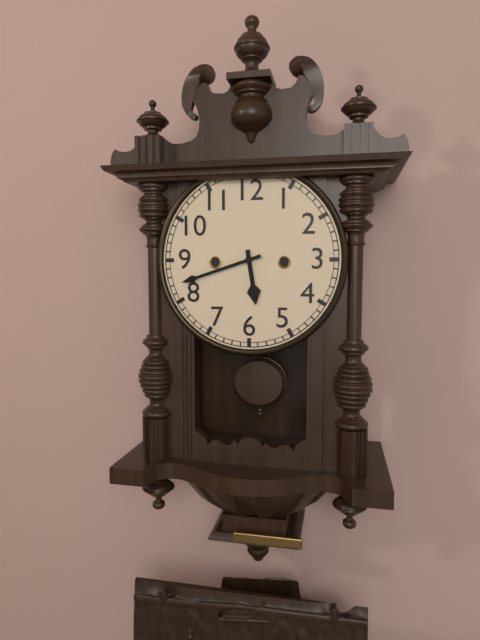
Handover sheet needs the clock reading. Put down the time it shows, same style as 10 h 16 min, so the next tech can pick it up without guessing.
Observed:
5 h 42 min
